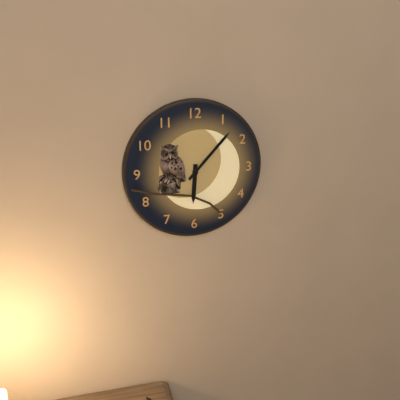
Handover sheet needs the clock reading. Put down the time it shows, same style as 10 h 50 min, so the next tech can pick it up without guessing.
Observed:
6 h 07 min
